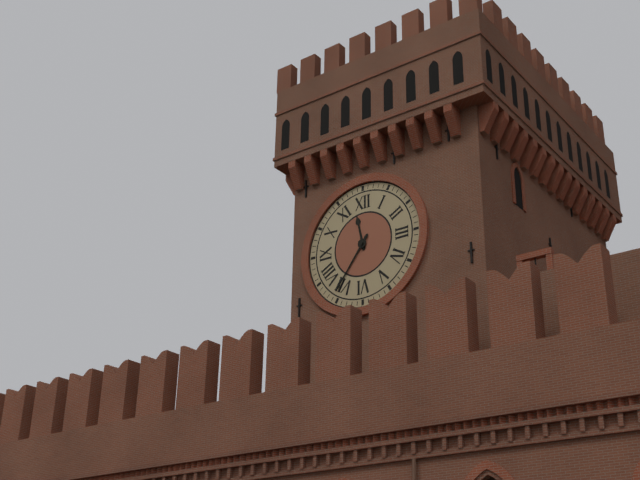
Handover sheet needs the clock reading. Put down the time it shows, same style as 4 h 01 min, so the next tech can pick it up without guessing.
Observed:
11 h 36 min
